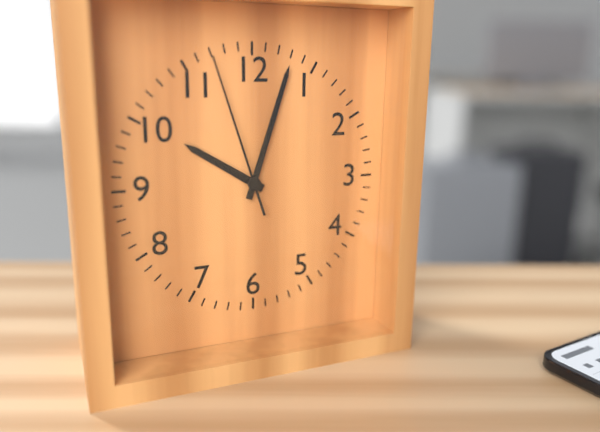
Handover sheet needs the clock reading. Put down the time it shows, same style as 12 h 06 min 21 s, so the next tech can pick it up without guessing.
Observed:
10 h 03 min 57 s
